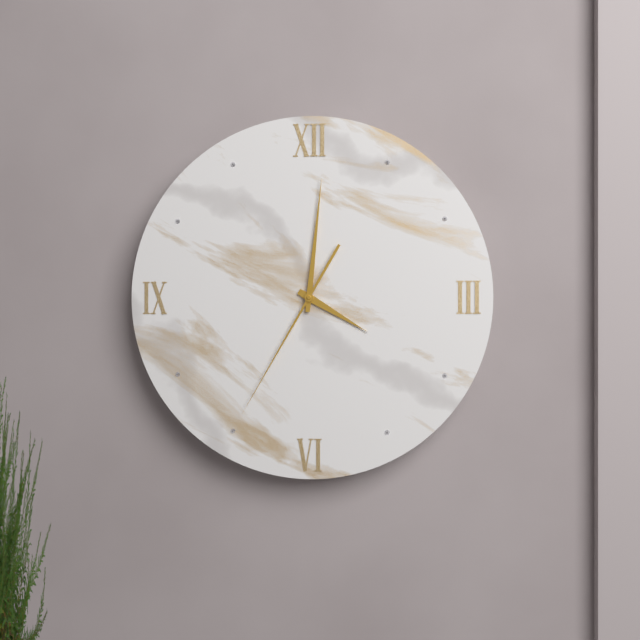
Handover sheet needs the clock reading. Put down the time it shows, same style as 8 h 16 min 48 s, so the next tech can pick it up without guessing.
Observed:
4 h 01 min 35 s
